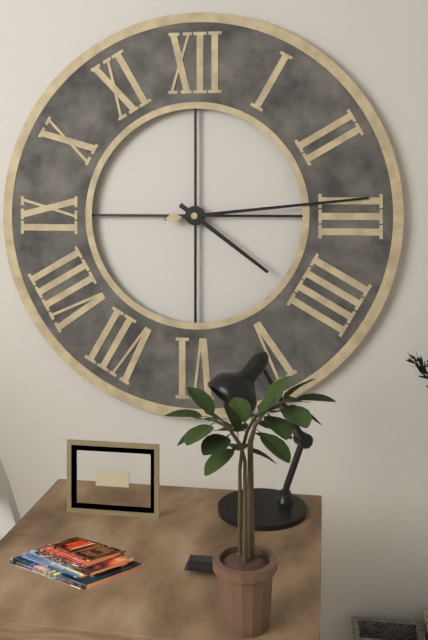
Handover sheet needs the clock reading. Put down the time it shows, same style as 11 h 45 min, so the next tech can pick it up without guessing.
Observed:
4 h 14 min
